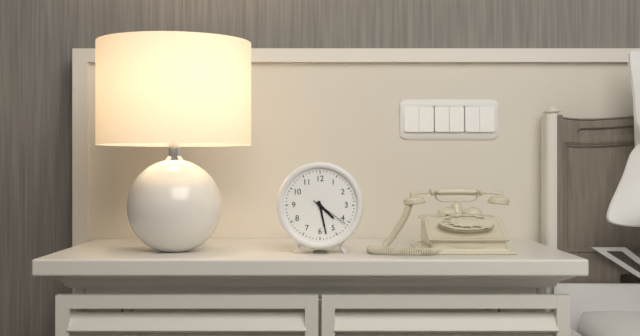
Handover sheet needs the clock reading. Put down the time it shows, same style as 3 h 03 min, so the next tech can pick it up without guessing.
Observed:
4 h 28 min
